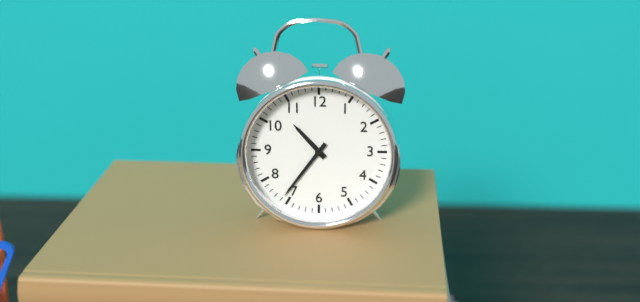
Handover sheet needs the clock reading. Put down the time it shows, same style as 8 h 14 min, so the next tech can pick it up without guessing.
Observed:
10 h 36 min
